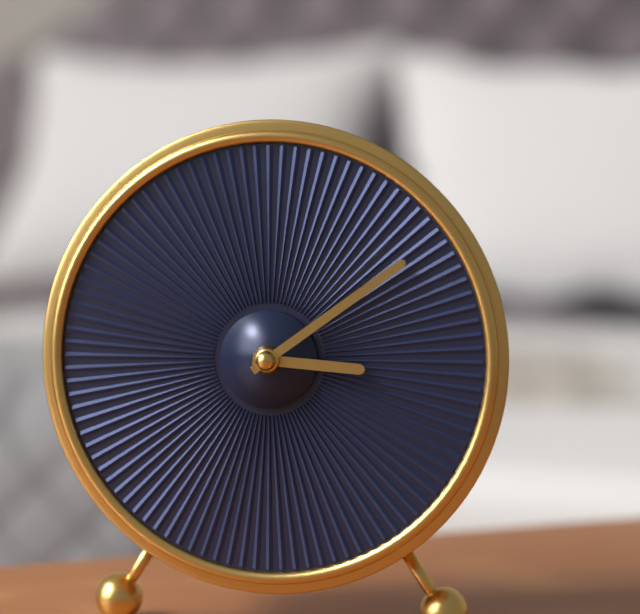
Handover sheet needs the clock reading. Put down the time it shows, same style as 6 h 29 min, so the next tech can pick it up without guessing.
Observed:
3 h 09 min
